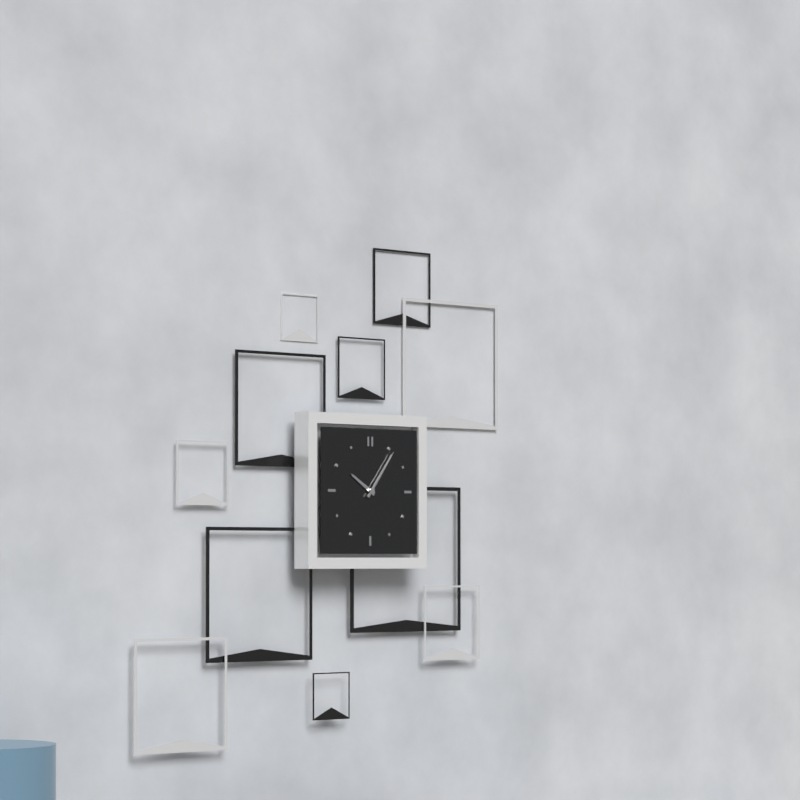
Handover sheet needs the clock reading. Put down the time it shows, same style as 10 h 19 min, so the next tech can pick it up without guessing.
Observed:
10 h 06 min
